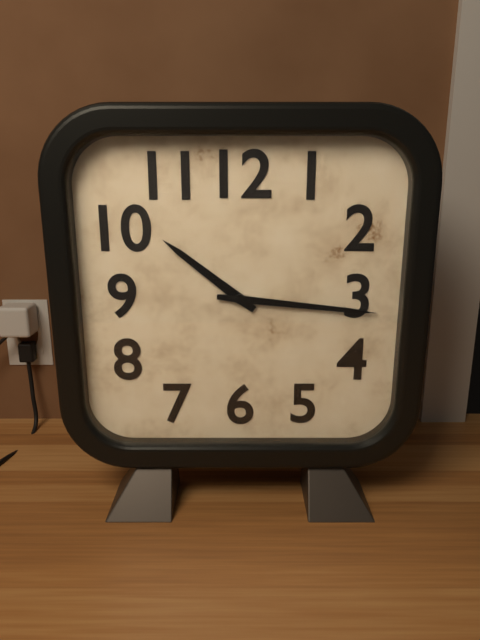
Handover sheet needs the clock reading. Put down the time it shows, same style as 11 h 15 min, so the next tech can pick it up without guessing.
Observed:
10 h 16 min
